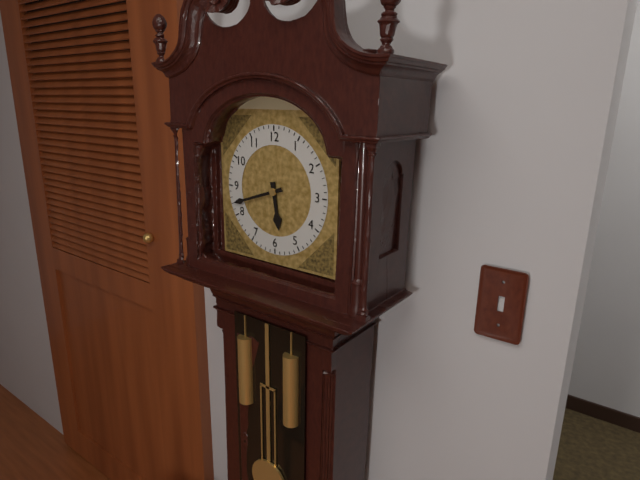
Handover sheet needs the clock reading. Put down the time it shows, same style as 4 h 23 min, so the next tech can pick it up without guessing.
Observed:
5 h 42 min
